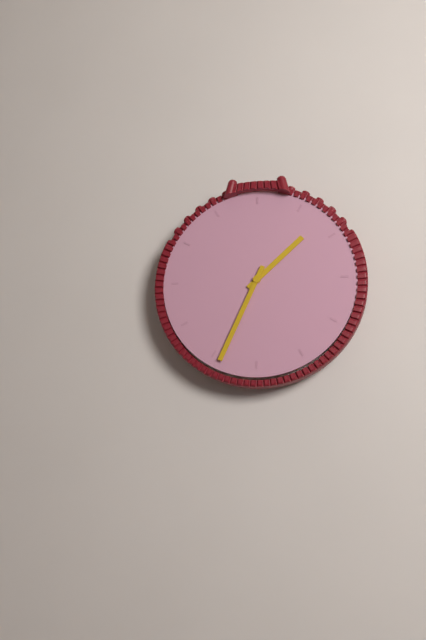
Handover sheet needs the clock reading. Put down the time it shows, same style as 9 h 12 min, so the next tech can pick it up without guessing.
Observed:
1 h 34 min
